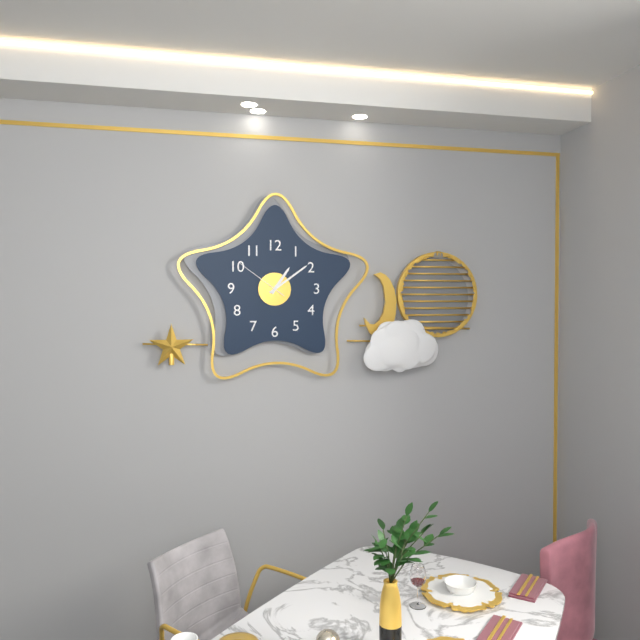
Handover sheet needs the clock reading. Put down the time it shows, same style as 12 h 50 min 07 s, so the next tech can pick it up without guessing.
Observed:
1 h 09 min 51 s
